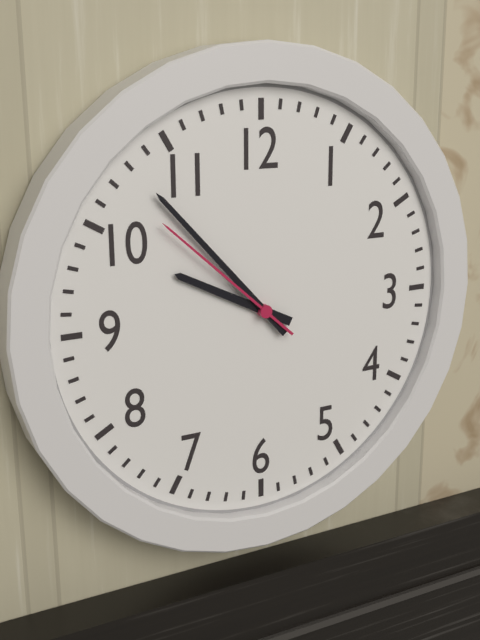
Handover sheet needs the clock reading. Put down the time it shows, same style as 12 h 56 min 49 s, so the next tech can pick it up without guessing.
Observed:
9 h 53 min 52 s
